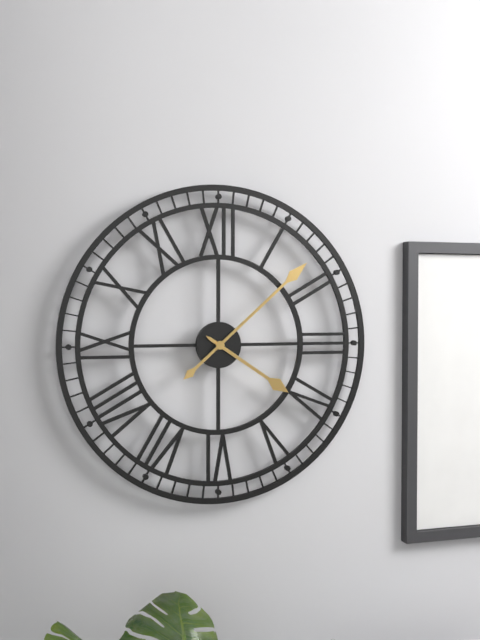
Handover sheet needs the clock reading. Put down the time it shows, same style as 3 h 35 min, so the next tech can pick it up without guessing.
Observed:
4 h 08 min
